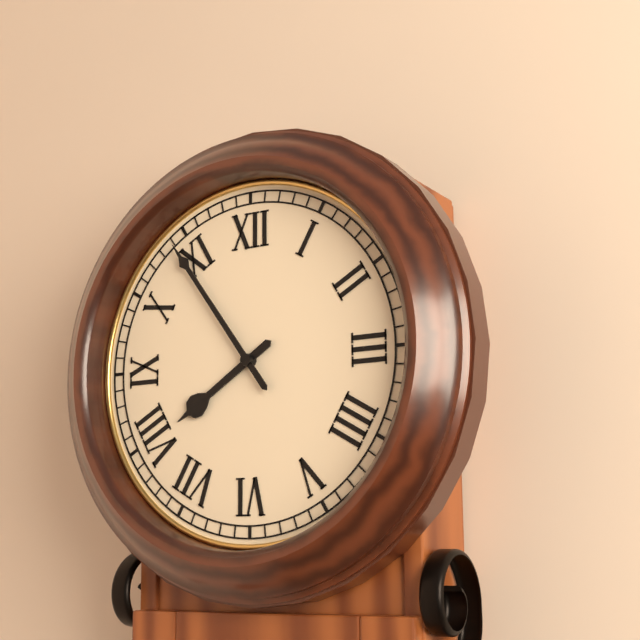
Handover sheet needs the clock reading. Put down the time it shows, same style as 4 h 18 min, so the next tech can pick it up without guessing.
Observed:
7 h 54 min
